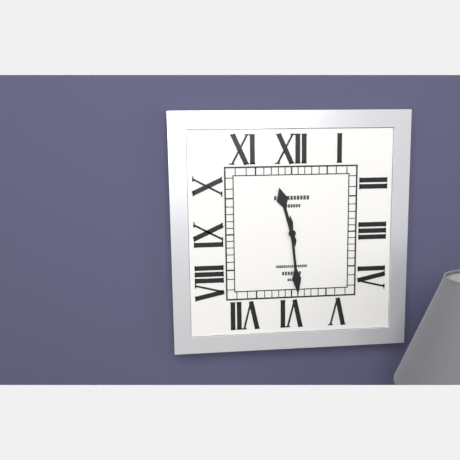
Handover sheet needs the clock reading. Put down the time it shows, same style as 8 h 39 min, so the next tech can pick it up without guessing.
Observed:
11 h 29 min
